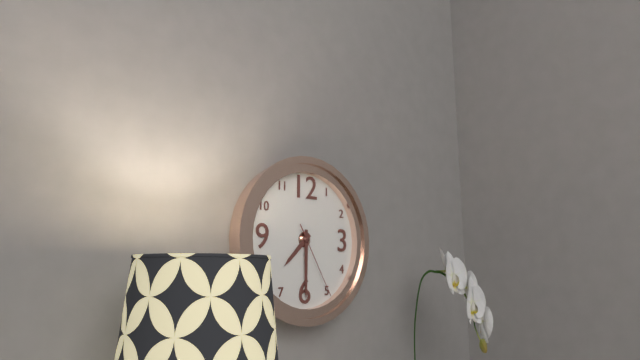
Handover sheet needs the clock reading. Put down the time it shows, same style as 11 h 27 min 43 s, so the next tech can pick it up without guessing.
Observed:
7 h 30 min 25 s
